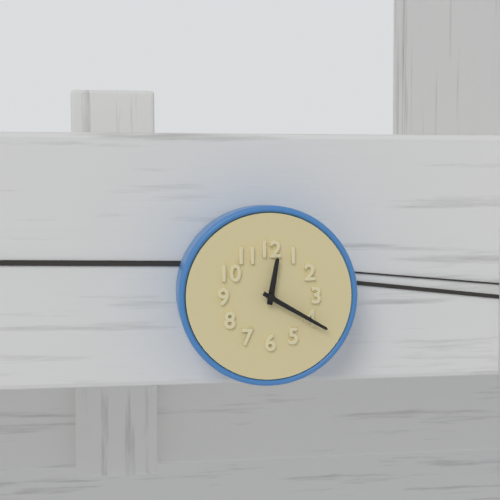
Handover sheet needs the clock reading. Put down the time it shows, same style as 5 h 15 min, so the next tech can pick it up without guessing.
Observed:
12 h 20 min
